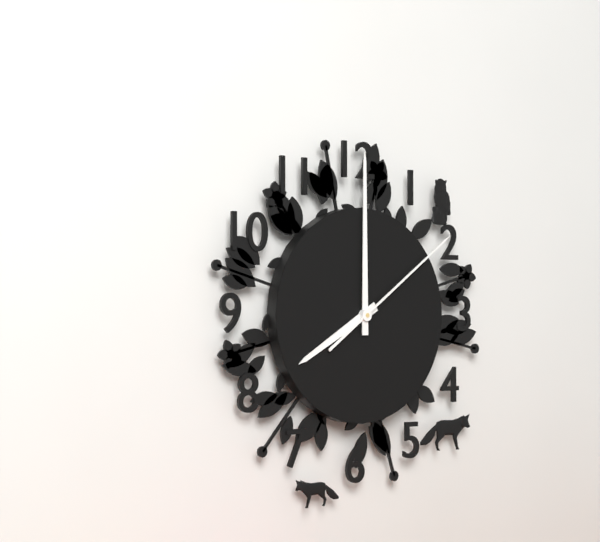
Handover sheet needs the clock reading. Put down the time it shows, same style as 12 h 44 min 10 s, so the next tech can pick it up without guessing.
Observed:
8 h 00 min 09 s
